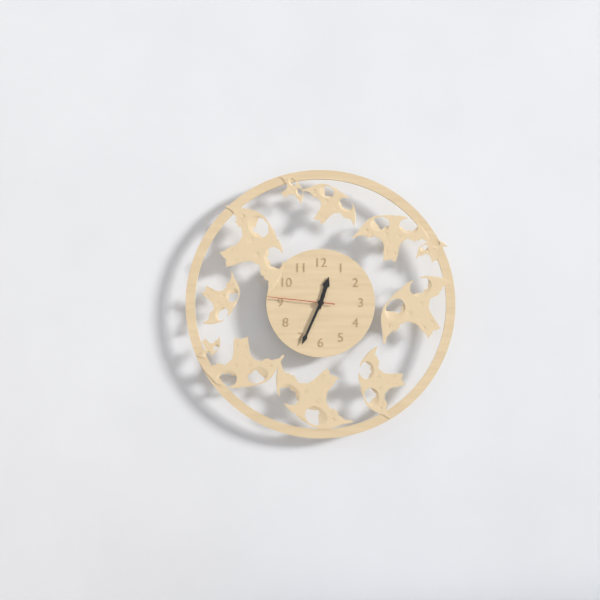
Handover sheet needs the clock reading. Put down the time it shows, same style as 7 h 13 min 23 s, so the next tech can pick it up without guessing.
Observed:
12 h 34 min 46 s
